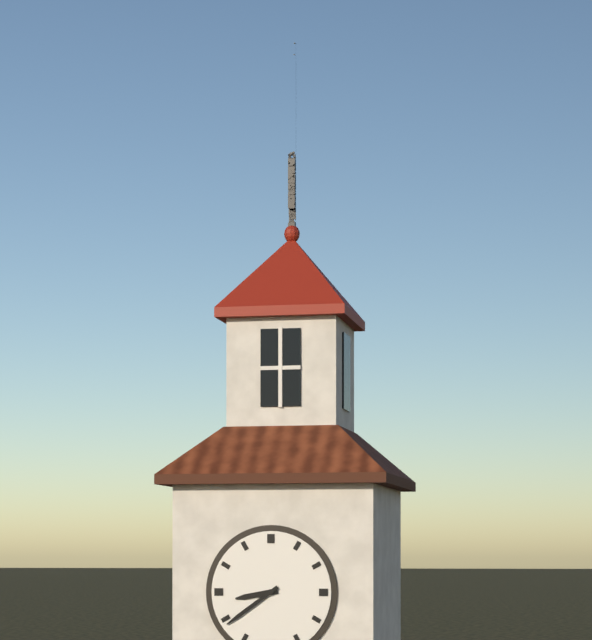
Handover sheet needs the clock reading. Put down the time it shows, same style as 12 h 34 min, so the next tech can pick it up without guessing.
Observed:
8 h 39 min
